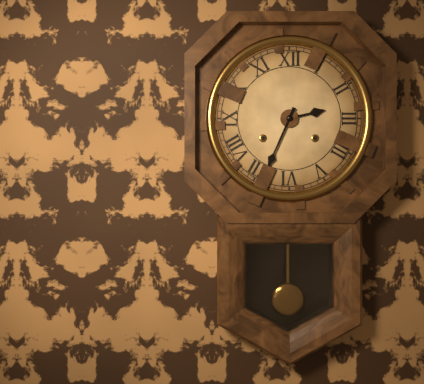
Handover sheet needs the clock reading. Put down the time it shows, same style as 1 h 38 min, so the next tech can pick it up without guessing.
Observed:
2 h 34 min
